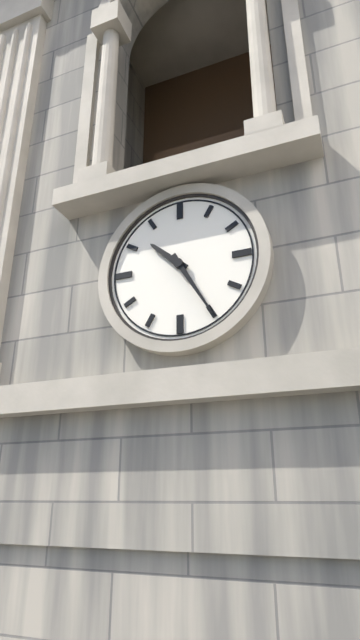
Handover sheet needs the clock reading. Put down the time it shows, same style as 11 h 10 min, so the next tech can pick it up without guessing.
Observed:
10 h 25 min
